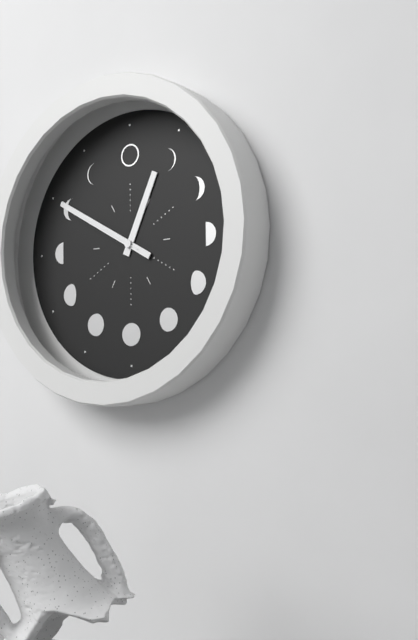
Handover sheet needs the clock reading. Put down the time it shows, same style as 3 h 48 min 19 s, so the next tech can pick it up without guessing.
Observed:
12 h 50 min 50 s
